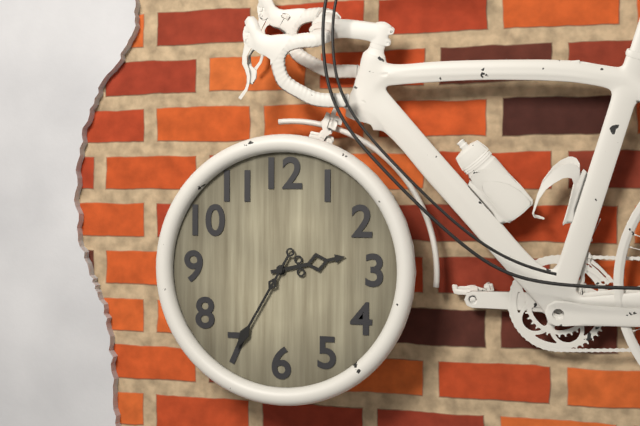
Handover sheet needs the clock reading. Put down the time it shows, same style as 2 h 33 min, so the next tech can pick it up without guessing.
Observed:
2 h 35 min
